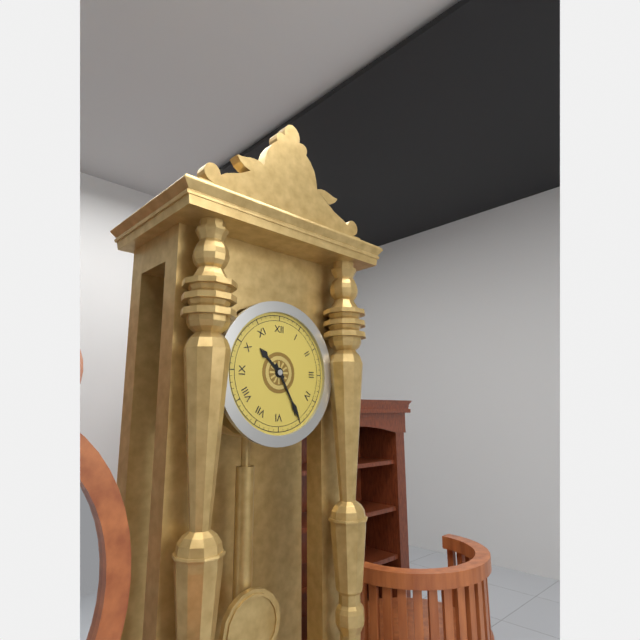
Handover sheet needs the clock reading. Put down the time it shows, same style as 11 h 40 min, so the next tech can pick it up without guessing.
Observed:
10 h 25 min
